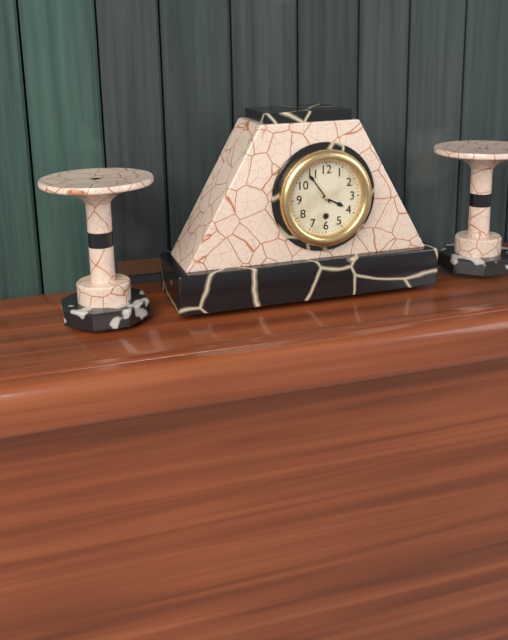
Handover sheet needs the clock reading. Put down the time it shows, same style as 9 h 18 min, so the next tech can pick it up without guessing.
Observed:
3 h 54 min
